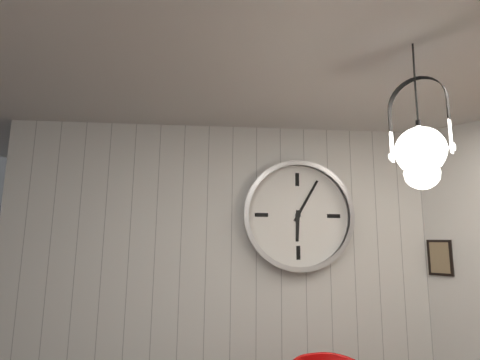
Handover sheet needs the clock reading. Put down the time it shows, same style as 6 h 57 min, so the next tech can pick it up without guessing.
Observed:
6 h 05 min
